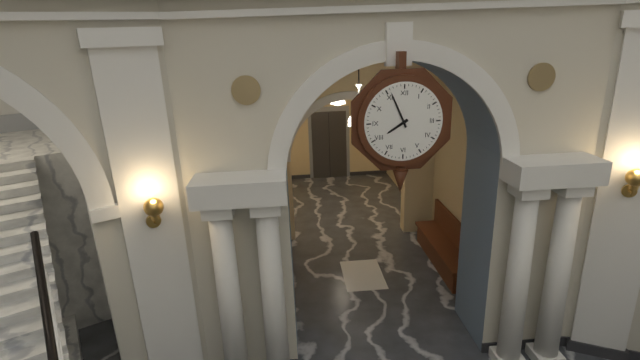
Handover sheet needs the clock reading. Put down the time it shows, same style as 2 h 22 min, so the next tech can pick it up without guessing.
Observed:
7 h 56 min
